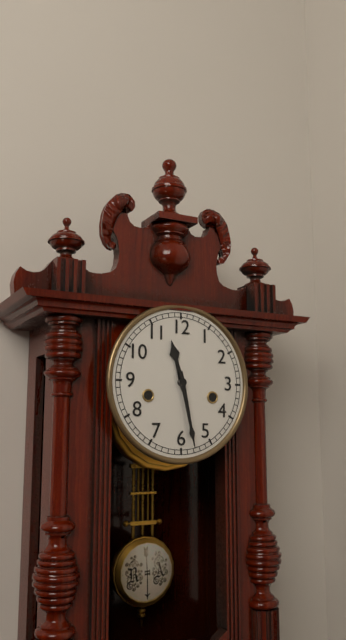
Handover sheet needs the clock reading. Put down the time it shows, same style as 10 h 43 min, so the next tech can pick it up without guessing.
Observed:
11 h 28 min
